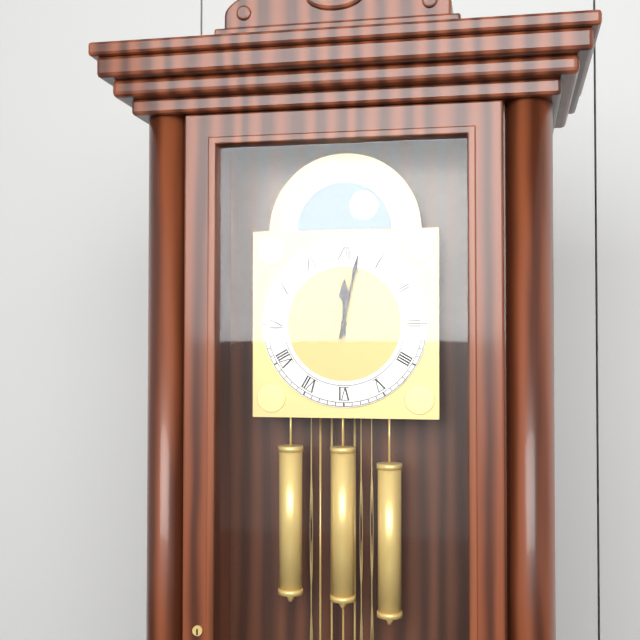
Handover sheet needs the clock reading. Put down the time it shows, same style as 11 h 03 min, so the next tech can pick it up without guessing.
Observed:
12 h 02 min
